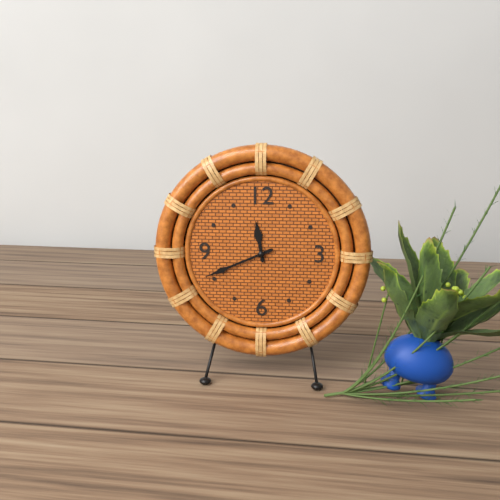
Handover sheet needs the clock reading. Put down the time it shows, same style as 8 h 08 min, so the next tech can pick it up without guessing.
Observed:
11 h 41 min
